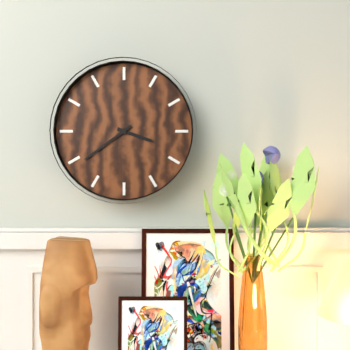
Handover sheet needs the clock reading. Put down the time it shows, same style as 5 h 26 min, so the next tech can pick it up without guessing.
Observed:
3 h 39 min
